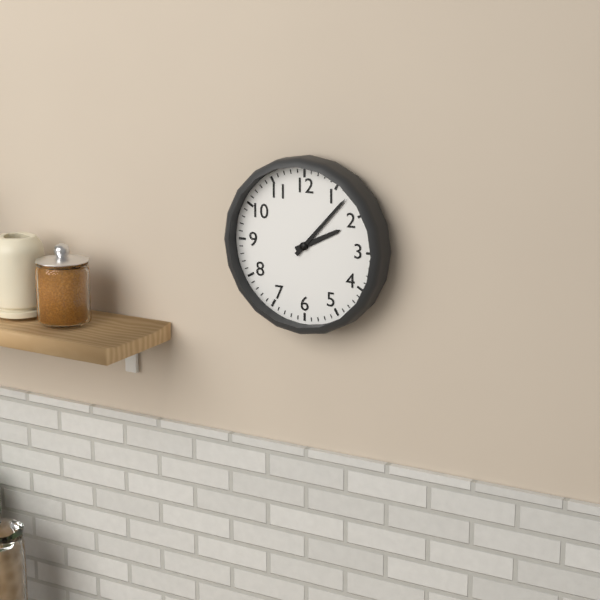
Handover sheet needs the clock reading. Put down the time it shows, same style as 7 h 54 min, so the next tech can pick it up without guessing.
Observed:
2 h 07 min
